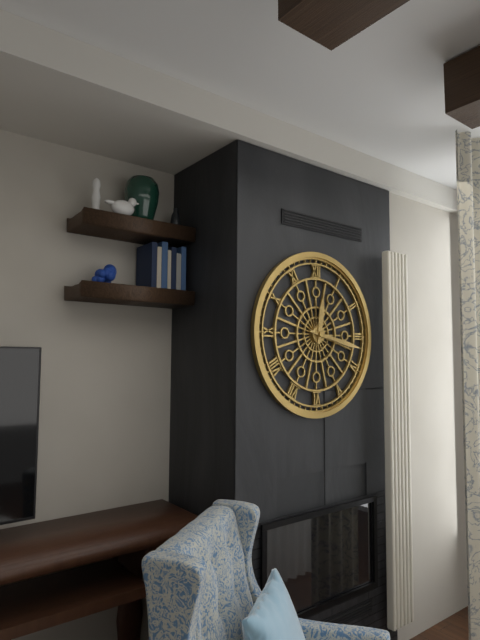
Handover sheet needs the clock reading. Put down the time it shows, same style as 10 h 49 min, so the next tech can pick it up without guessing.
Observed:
12 h 17 min
